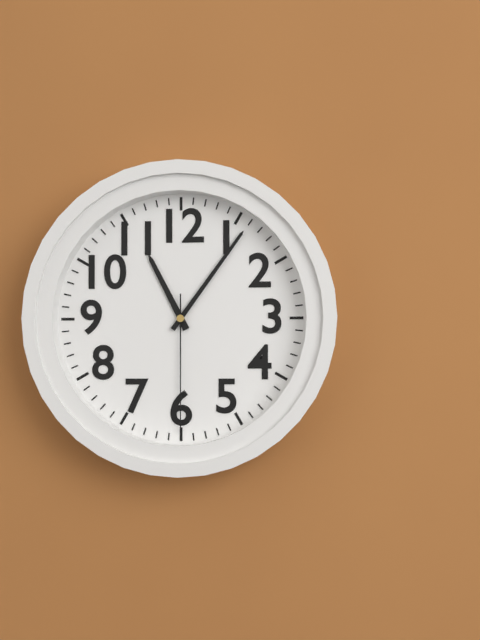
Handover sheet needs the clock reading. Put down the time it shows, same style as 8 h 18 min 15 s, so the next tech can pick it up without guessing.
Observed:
11 h 06 min 30 s
